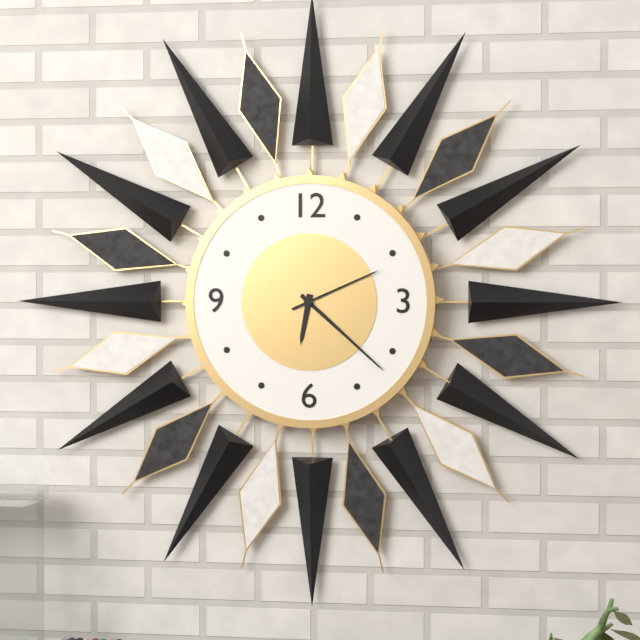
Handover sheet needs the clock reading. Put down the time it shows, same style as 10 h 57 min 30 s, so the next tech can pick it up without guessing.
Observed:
6 h 22 min 11 s
